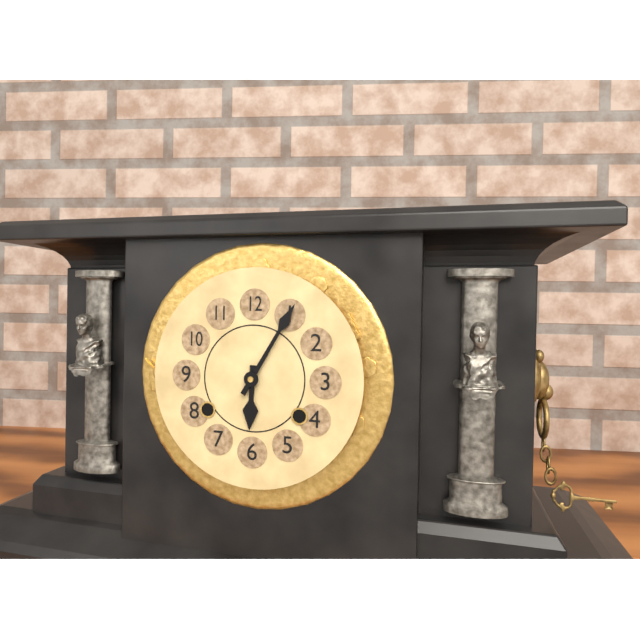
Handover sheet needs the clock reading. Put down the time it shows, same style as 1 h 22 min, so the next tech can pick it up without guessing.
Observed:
6 h 05 min
